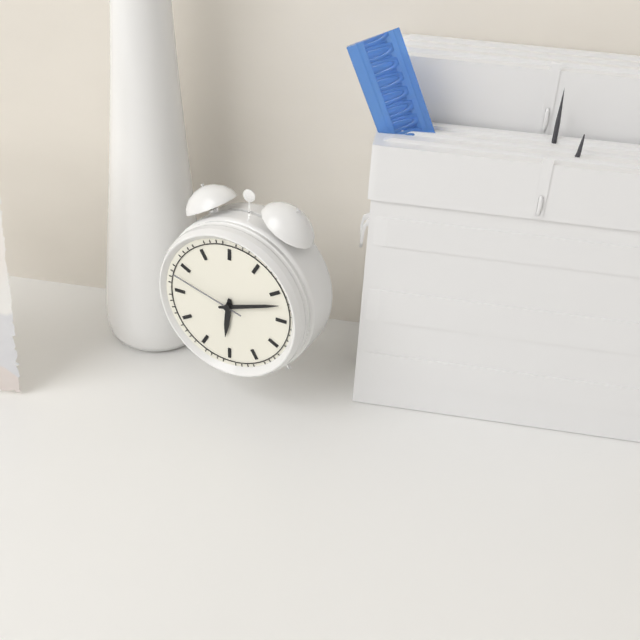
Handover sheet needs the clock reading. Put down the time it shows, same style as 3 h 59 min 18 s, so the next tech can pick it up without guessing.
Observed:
6 h 12 min 48 s
